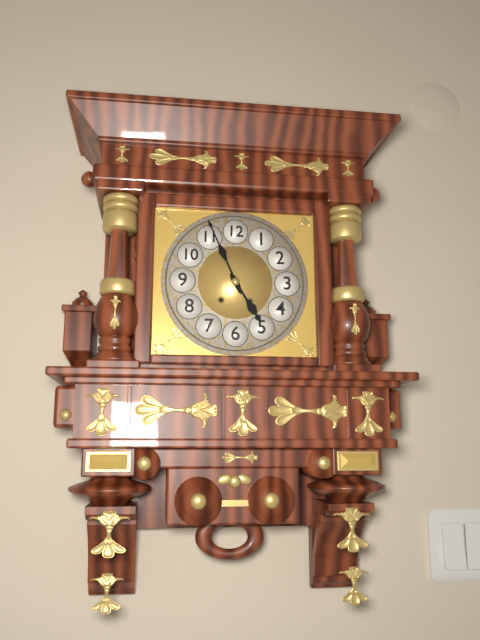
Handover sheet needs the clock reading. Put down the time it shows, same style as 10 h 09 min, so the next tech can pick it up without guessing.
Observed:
4 h 56 min
